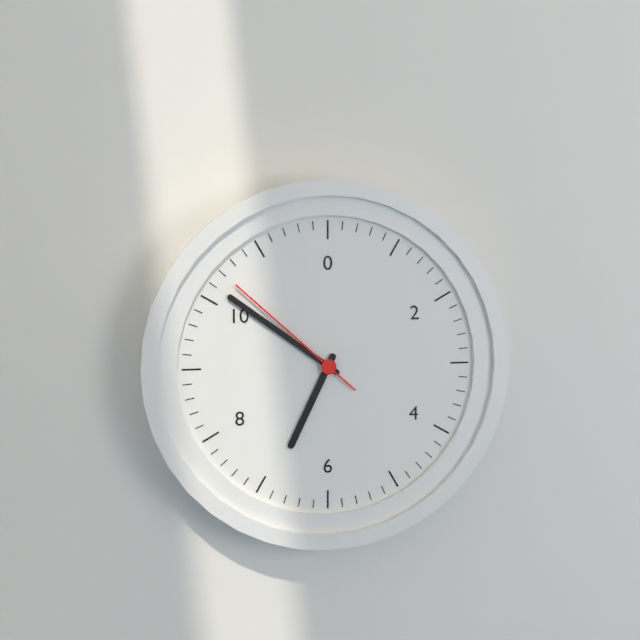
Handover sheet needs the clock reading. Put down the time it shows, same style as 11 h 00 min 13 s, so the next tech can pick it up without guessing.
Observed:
6 h 51 min 52 s
